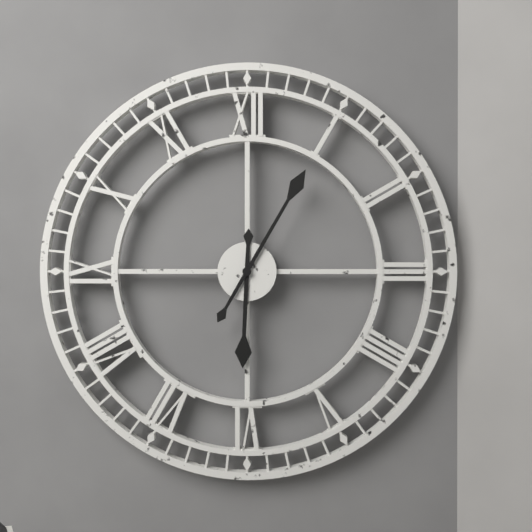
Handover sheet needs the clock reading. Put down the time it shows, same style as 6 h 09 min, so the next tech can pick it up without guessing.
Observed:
6 h 05 min
